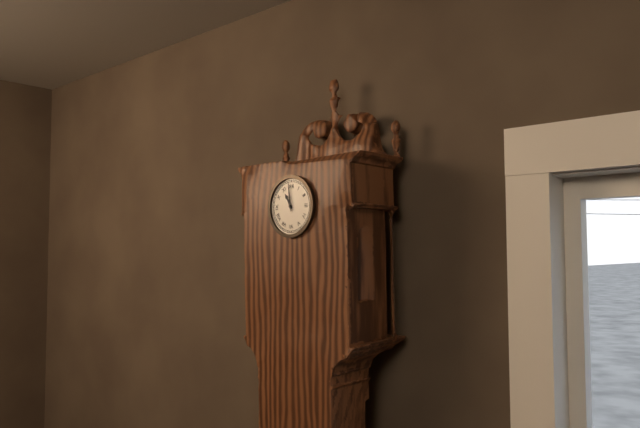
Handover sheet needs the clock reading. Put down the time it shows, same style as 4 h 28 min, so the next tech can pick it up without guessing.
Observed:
10 h 59 min
